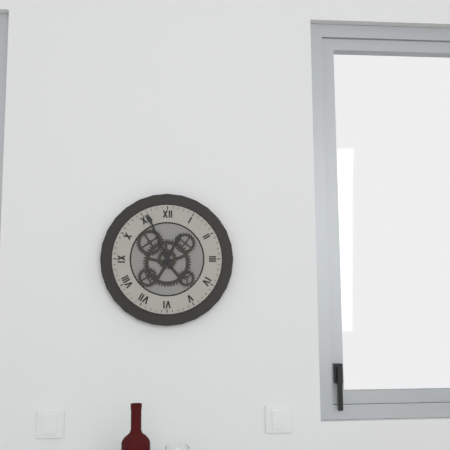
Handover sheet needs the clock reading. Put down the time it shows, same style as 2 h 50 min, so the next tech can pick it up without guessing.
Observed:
12 h 56 min
